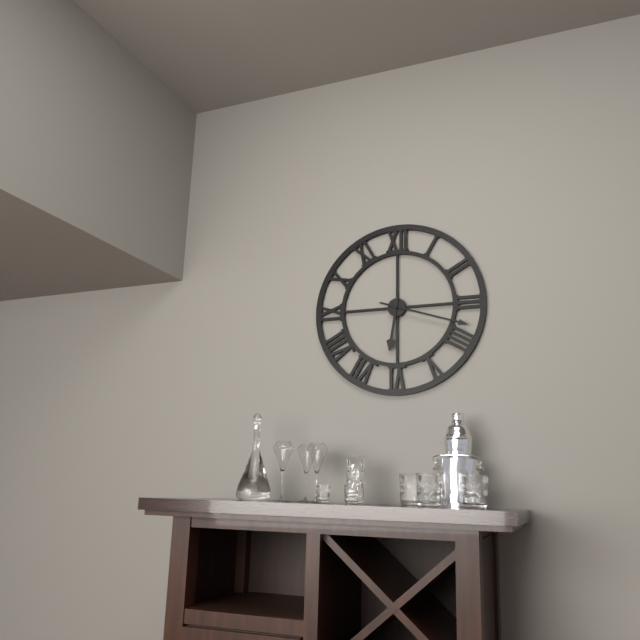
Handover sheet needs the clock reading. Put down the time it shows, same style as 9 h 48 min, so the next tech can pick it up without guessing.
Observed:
6 h 18 min
